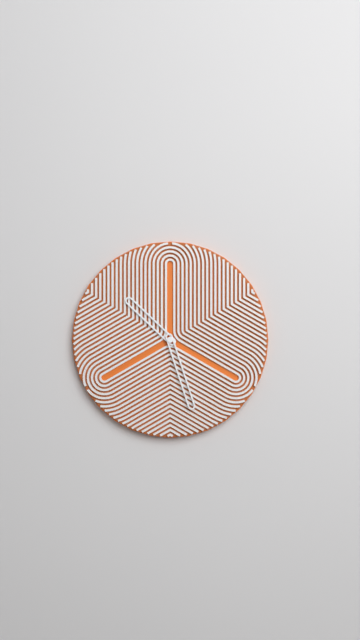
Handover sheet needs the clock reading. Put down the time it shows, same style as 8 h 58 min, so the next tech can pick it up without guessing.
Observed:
10 h 27 min
